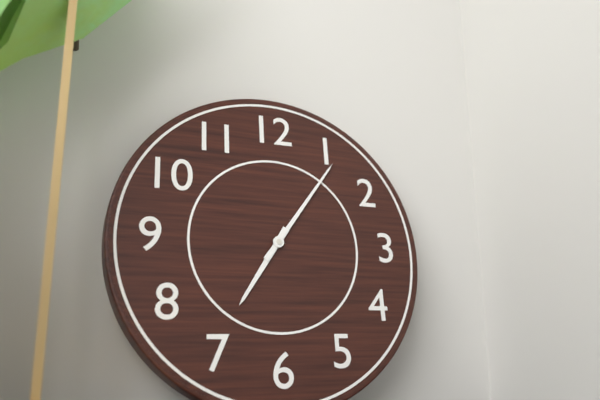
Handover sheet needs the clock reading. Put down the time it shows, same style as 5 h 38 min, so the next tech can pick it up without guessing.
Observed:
7 h 06 min
